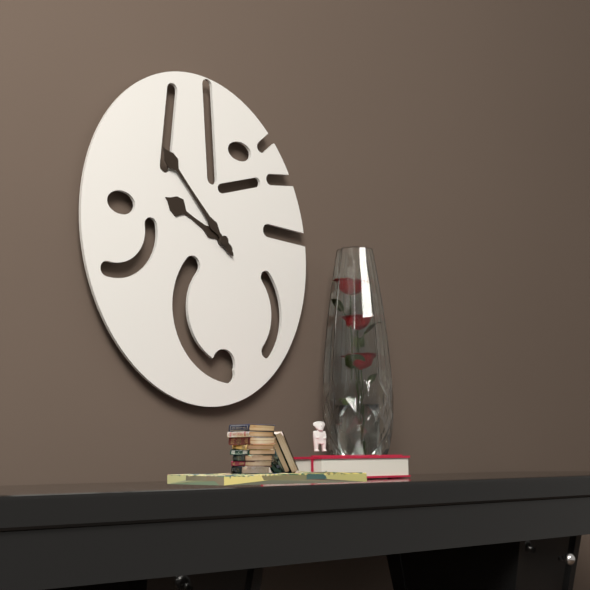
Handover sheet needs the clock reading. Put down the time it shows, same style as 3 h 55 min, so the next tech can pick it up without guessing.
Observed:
9 h 53 min
